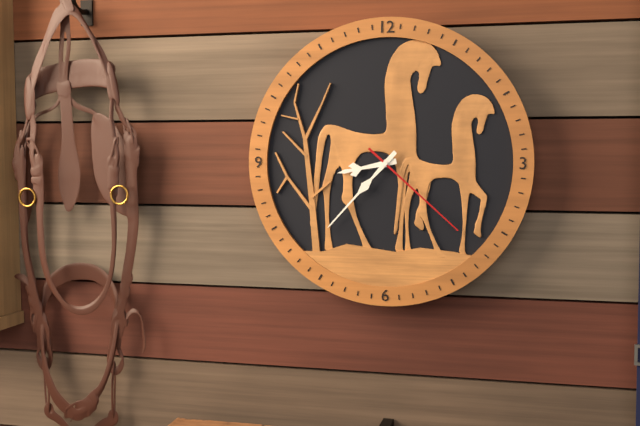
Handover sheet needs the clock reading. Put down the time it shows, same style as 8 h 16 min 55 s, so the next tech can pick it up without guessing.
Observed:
8 h 37 min 22 s
